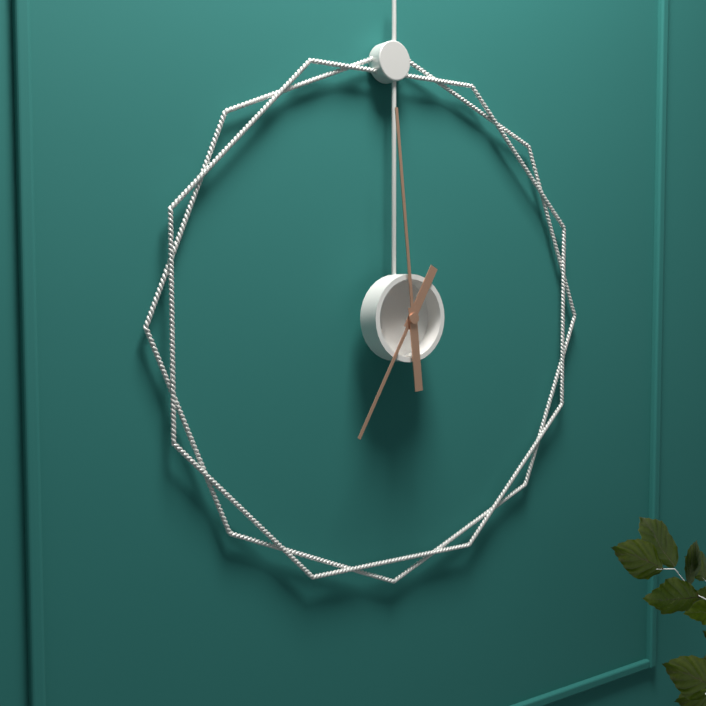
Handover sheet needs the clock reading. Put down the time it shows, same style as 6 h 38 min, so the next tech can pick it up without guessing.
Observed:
6 h 59 min
